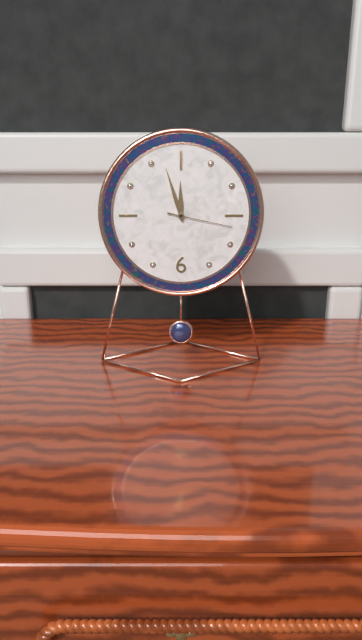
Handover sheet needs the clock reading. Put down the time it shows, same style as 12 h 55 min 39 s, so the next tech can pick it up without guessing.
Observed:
11 h 57 min 17 s
